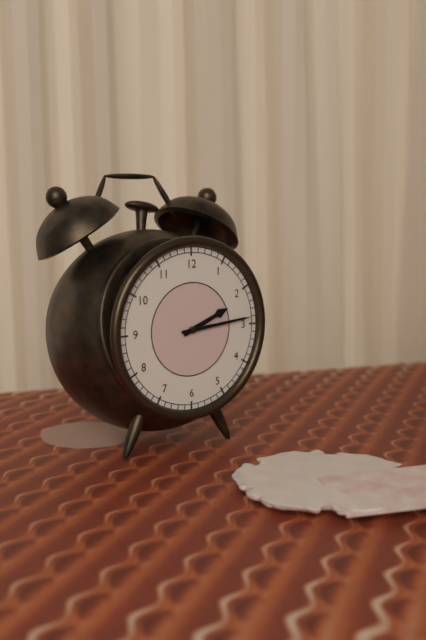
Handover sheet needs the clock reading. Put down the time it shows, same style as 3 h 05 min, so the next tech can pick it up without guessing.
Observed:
2 h 14 min
